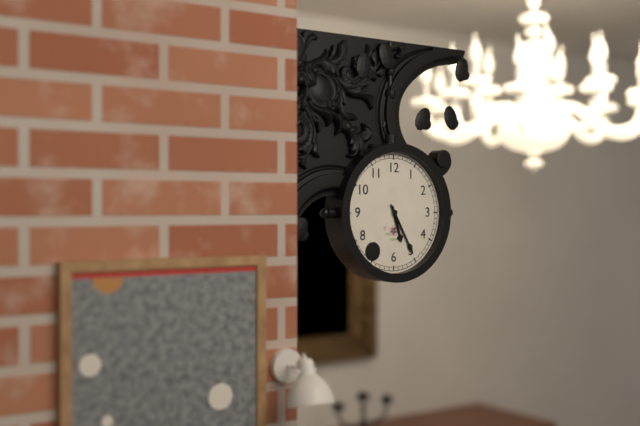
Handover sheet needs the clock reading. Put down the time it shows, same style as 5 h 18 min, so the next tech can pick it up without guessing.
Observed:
5 h 25 min
